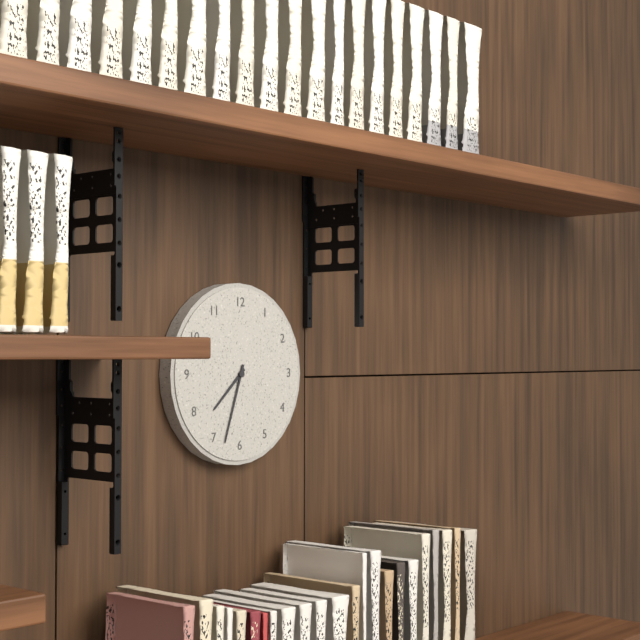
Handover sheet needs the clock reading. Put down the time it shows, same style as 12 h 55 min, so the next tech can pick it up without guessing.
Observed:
7 h 33 min
